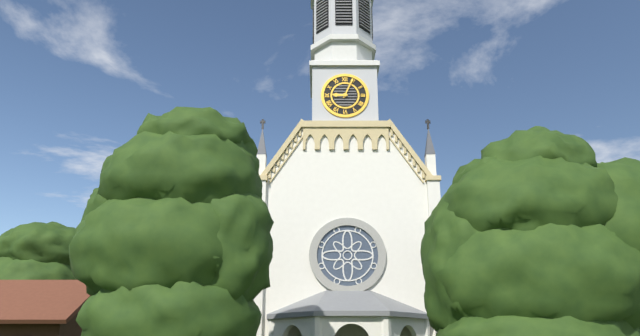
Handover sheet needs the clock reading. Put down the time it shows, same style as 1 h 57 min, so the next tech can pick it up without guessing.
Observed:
9 h 04 min
